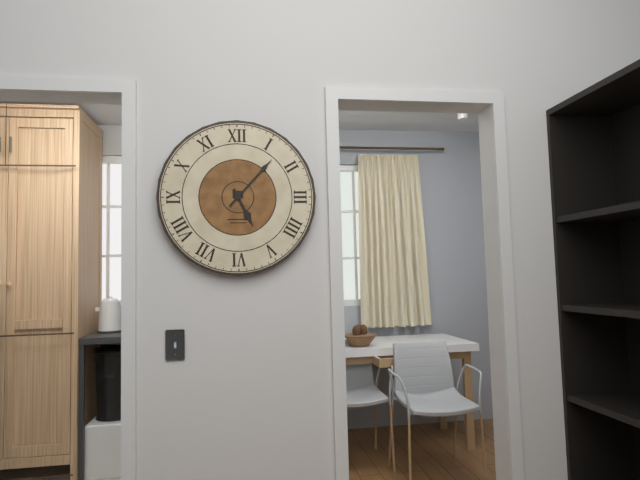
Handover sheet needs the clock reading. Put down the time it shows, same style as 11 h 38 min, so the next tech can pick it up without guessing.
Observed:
5 h 07 min
